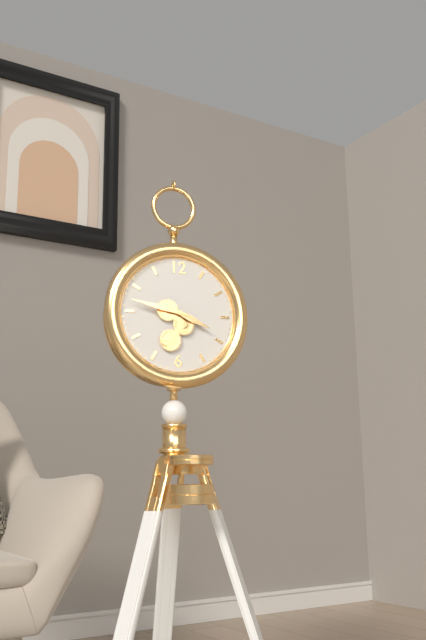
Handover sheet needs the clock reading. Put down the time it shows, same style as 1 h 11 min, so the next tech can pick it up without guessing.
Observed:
3 h 47 min
